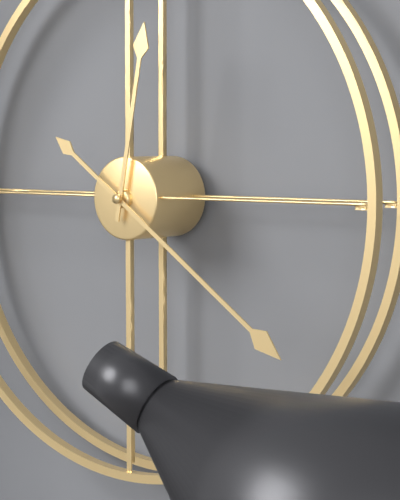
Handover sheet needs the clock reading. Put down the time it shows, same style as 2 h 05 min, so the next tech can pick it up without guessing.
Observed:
12 h 21 min
